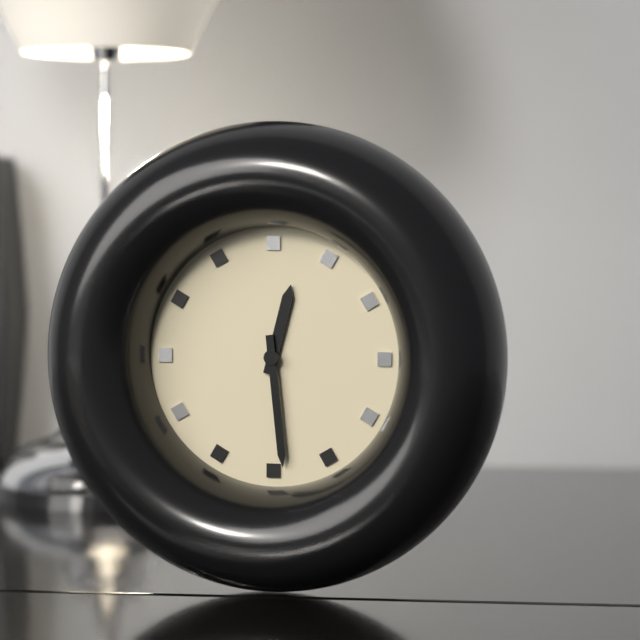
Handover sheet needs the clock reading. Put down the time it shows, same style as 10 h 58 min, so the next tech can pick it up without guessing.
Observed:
12 h 29 min
